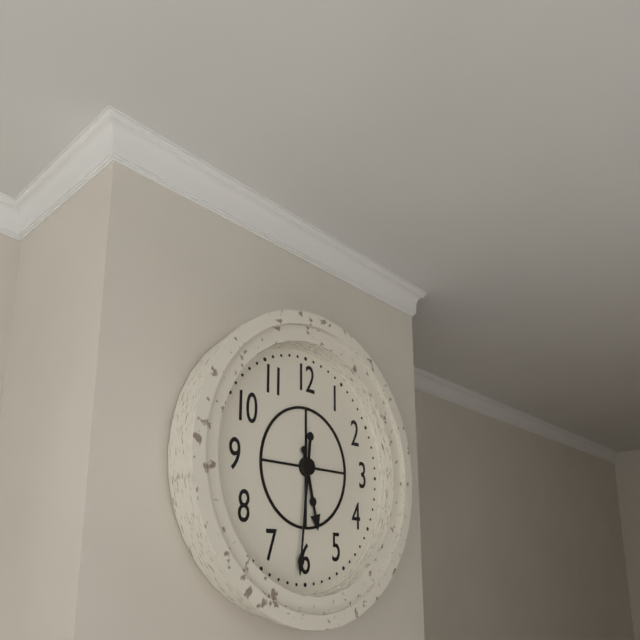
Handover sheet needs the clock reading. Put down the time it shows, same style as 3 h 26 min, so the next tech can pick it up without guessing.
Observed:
5 h 31 min
